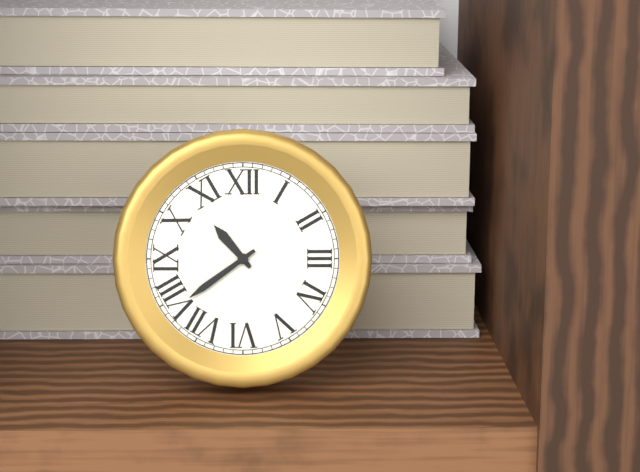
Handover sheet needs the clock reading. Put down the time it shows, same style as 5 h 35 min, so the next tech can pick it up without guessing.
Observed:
10 h 39 min
